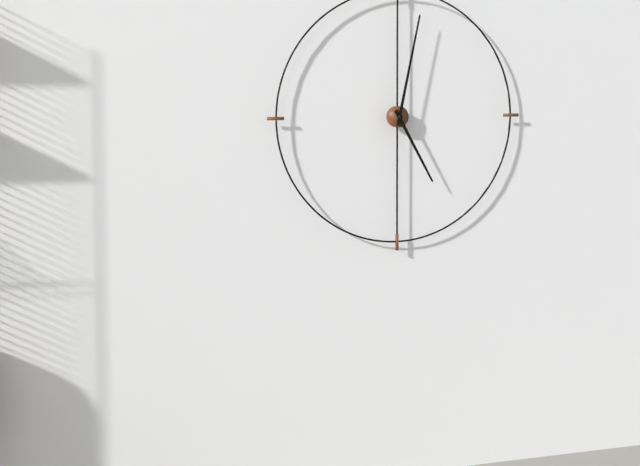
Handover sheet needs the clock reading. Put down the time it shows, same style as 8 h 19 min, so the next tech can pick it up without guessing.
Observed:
5 h 02 min
